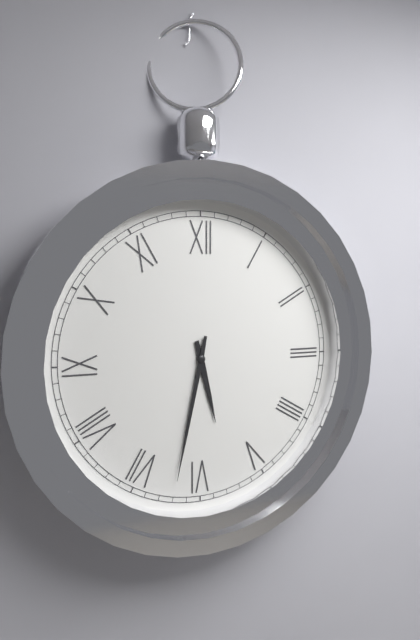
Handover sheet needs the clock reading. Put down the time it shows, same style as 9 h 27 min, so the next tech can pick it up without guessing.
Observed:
5 h 32 min
